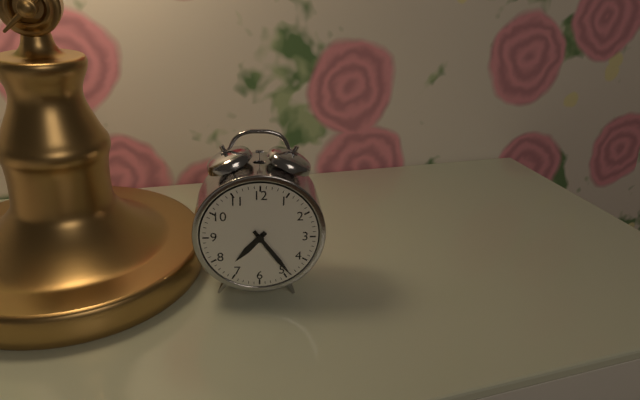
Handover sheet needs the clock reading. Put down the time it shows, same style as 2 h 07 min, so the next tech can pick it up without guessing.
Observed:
7 h 24 min
